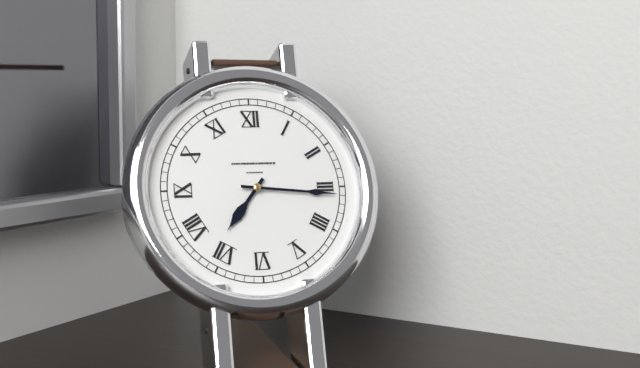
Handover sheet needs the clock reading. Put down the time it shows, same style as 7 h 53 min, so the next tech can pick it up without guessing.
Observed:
7 h 16 min
